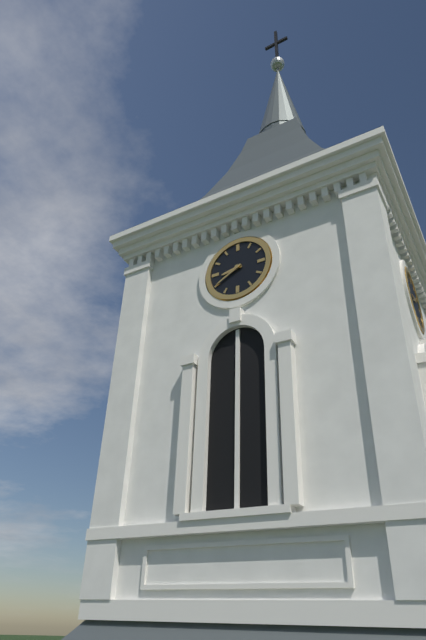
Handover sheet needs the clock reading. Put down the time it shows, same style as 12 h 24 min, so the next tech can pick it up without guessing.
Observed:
8 h 40 min
